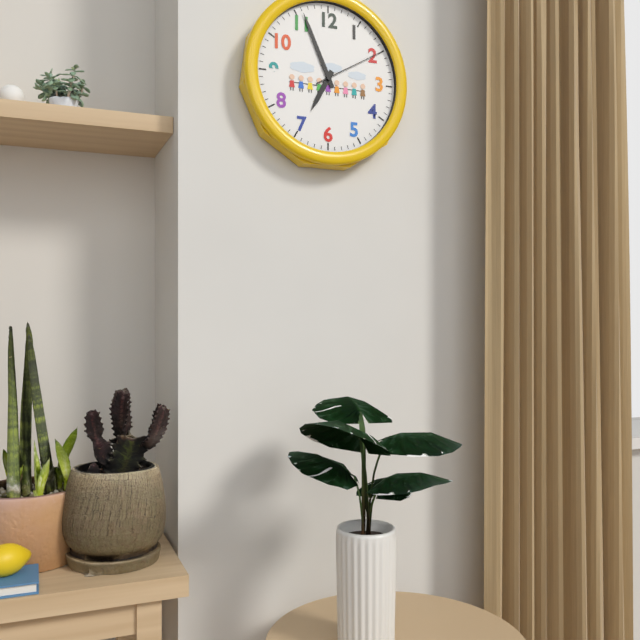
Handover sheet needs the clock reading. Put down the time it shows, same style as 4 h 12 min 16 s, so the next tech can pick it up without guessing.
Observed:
6 h 56 min 10 s
